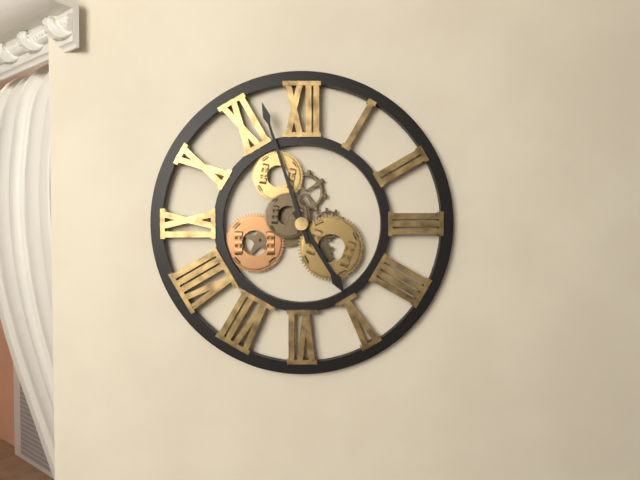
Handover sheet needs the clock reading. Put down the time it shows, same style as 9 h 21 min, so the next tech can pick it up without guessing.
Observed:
4 h 57 min
